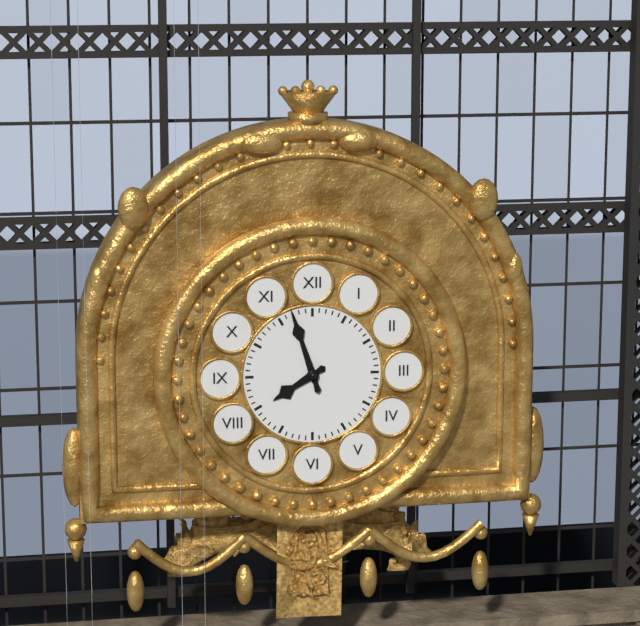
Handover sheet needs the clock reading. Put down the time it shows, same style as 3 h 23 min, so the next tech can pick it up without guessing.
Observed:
7 h 57 min
